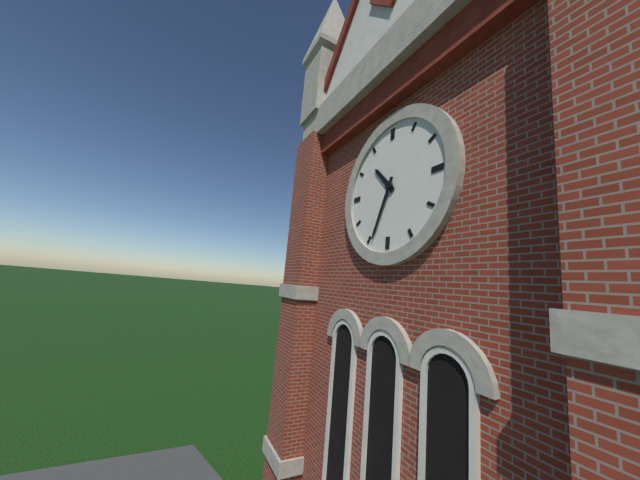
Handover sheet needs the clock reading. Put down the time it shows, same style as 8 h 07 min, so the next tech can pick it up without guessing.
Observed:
10 h 34 min
